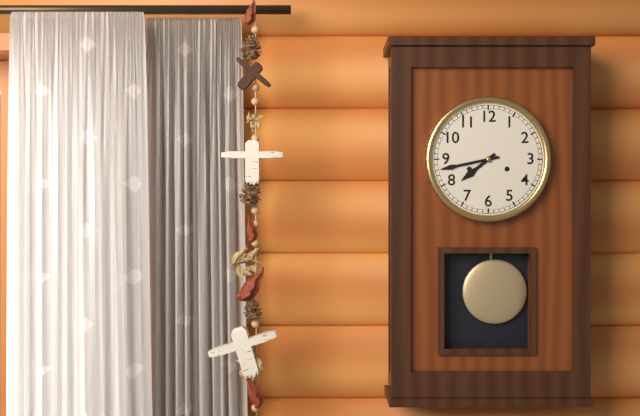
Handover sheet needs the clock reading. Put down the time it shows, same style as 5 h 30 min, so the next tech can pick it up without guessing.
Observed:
7 h 43 min
